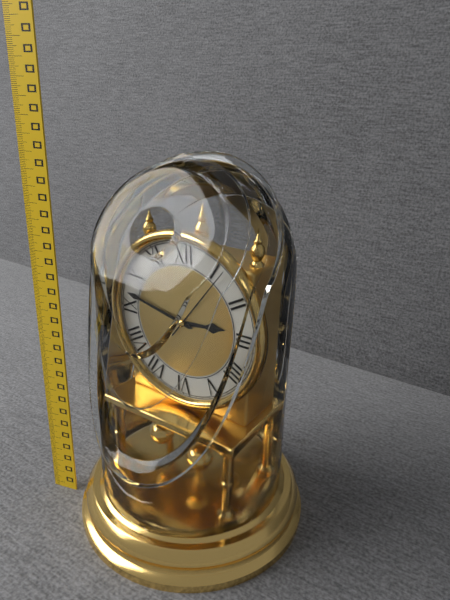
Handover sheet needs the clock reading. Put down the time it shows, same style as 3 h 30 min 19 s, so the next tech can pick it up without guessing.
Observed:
2 h 47 min 06 s
